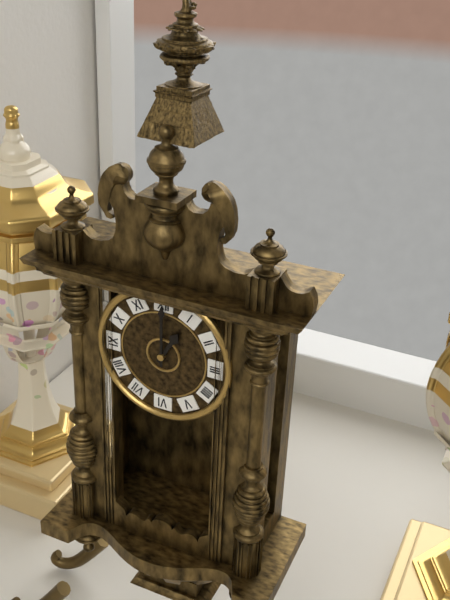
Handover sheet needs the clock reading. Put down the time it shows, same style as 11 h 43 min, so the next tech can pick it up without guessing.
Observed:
1 h 00 min
